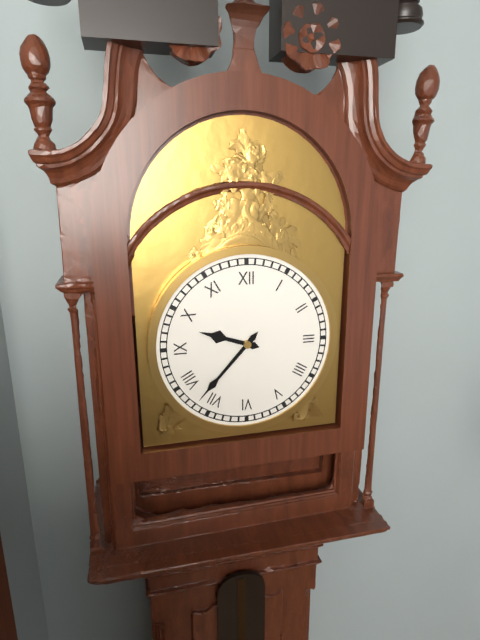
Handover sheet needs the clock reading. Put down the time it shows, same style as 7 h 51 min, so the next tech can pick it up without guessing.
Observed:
9 h 37 min
